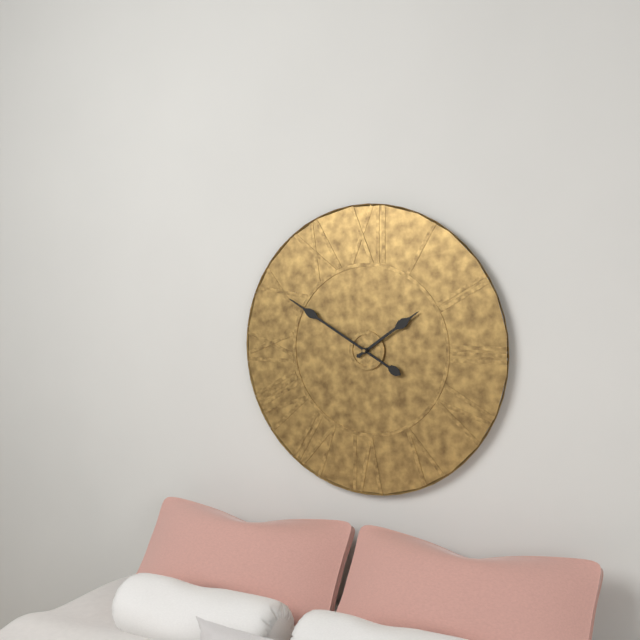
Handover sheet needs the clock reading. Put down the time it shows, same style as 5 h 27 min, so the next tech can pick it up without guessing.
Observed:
1 h 50 min
